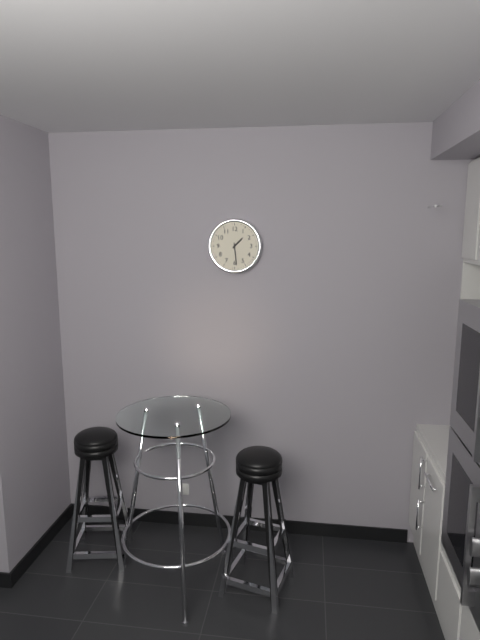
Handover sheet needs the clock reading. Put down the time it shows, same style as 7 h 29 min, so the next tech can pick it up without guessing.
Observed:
1 h 29 min
